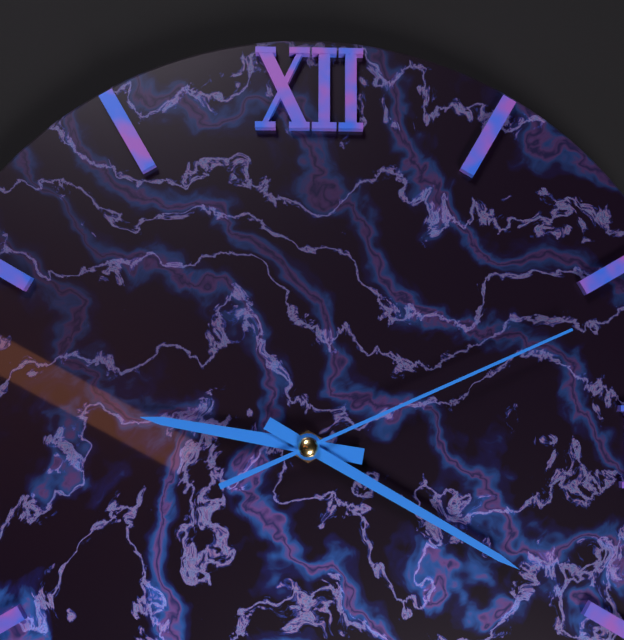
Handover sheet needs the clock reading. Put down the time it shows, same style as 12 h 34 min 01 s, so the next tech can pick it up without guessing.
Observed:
9 h 20 min 11 s
